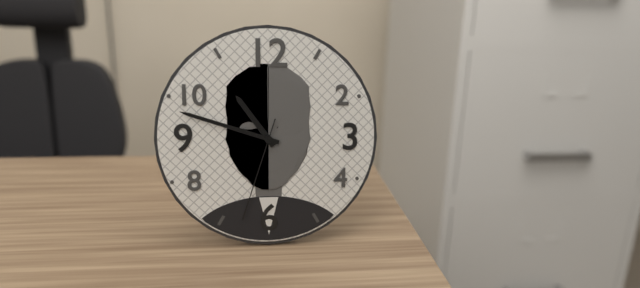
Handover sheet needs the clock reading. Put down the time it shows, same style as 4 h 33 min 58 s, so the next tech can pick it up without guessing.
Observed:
10 h 48 min 33 s
